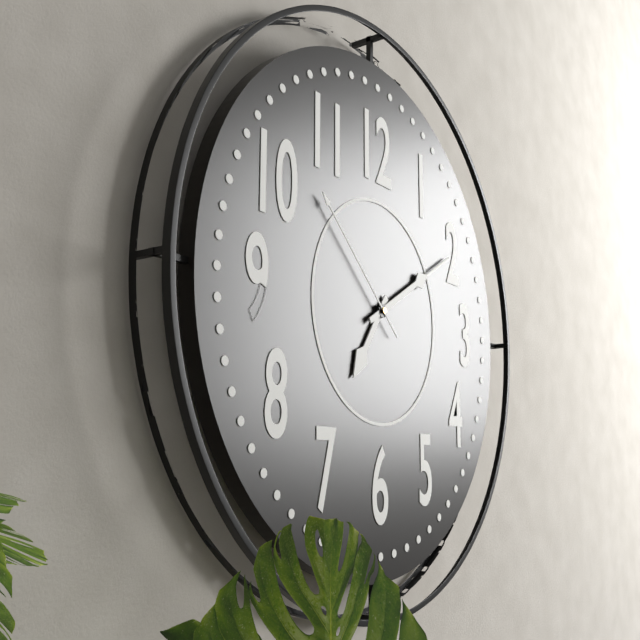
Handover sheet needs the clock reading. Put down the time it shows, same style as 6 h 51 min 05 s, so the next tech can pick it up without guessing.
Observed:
7 h 10 min 52 s
